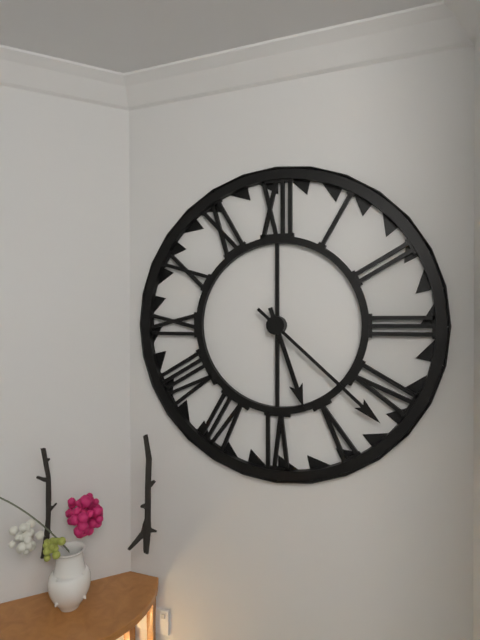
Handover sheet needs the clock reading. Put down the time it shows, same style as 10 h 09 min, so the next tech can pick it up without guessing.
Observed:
5 h 22 min
